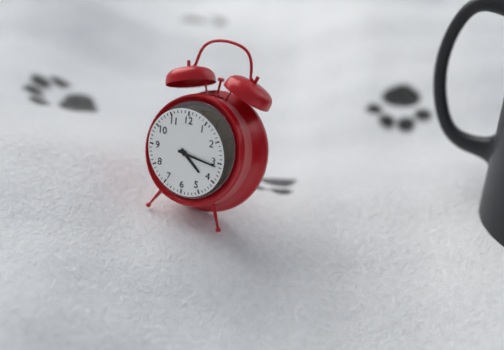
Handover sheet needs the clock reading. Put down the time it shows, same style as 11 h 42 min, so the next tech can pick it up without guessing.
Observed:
4 h 16 min
